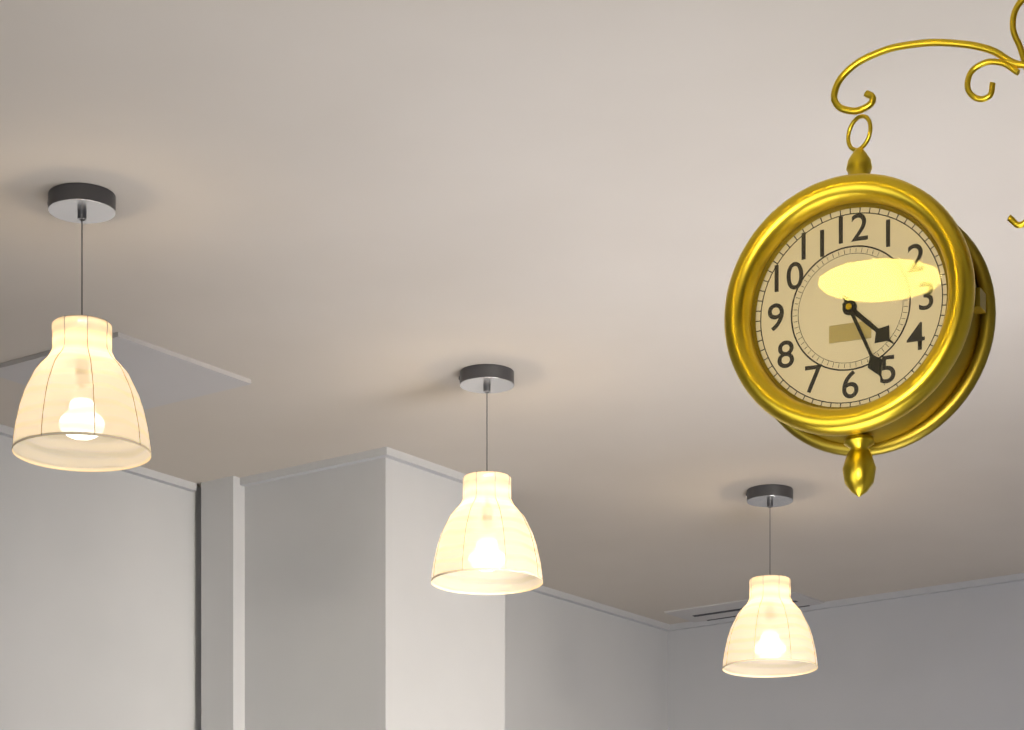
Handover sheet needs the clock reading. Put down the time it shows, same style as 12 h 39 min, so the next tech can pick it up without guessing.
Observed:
4 h 26 min
